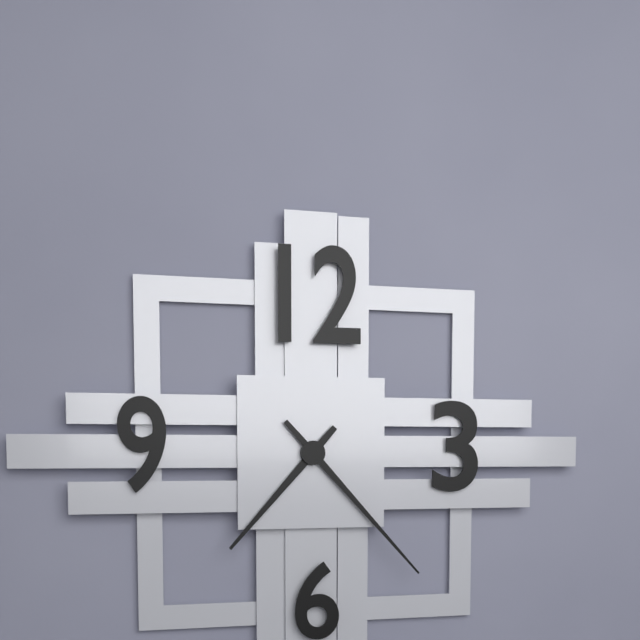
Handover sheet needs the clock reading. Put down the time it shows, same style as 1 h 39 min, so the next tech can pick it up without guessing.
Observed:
7 h 23 min
